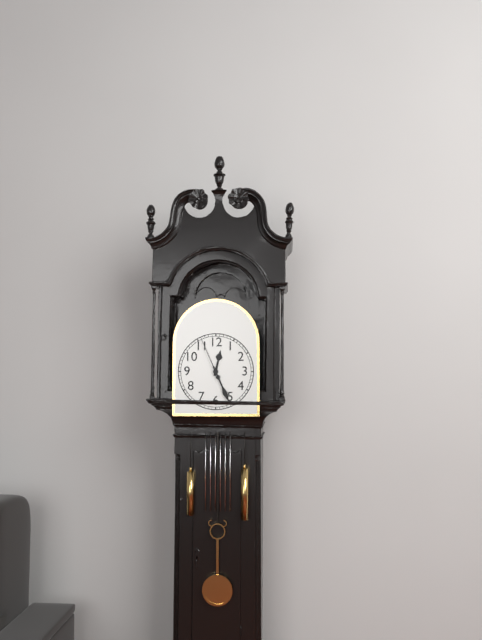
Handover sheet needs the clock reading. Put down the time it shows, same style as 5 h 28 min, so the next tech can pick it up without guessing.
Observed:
12 h 26 min
